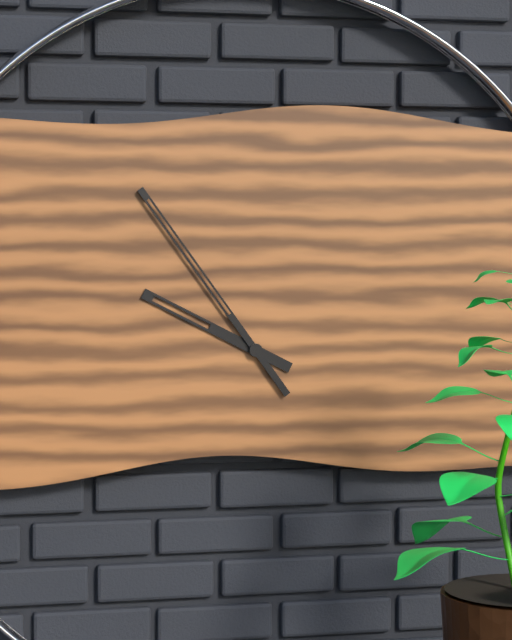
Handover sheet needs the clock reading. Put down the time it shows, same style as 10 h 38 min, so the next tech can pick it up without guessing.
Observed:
9 h 54 min
